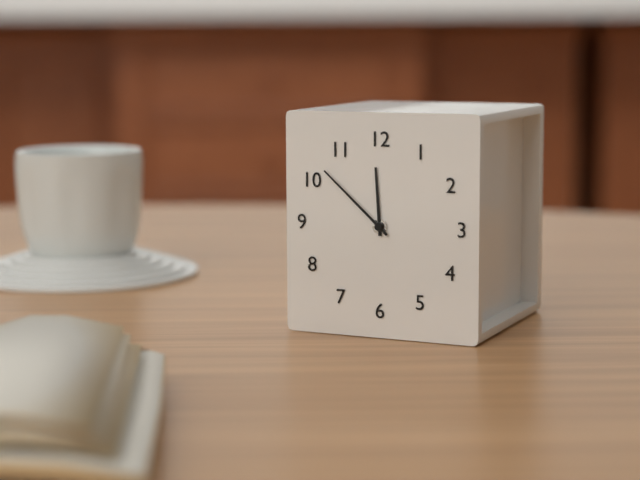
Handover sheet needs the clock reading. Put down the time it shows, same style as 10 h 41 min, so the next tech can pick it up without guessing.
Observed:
11 h 52 min
